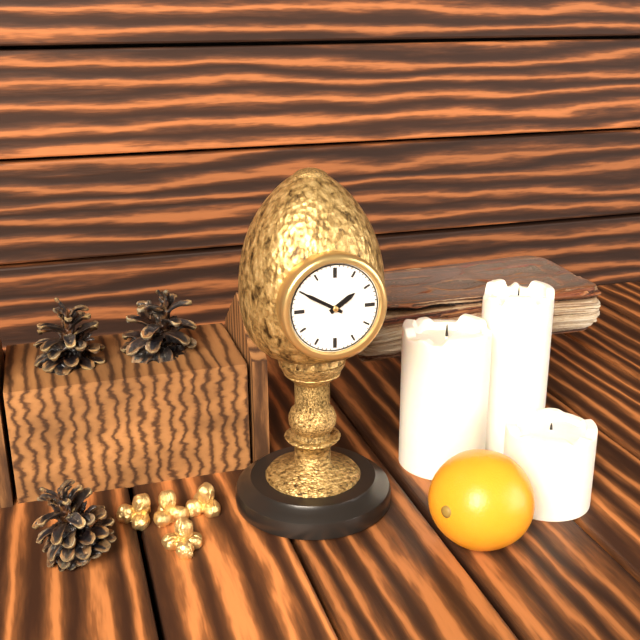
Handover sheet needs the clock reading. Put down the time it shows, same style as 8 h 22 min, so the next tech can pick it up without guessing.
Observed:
1 h 50 min
